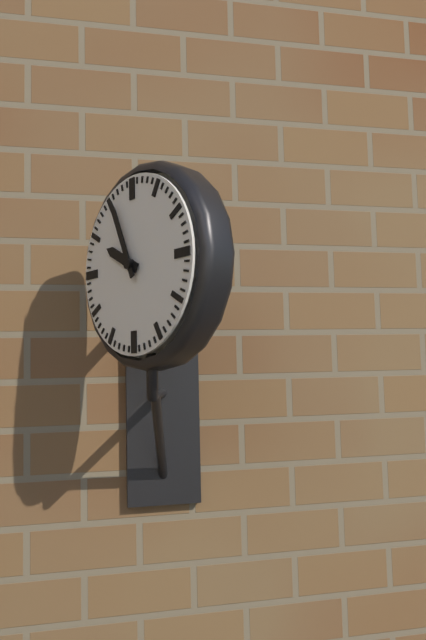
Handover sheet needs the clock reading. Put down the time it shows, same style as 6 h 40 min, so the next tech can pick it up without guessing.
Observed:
9 h 56 min
